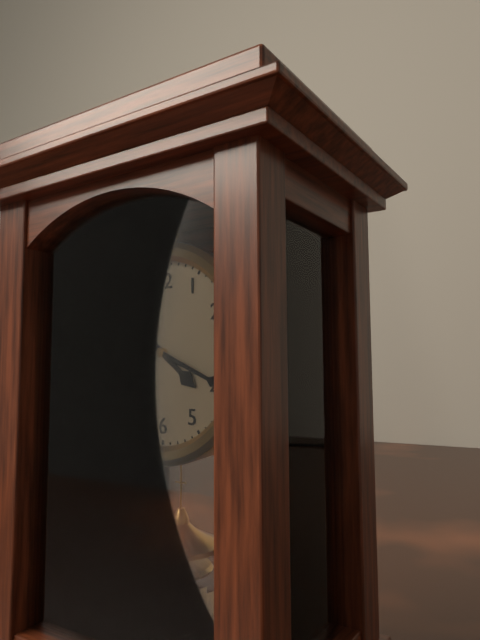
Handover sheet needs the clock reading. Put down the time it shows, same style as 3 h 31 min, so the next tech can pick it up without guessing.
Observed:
4 h 19 min
